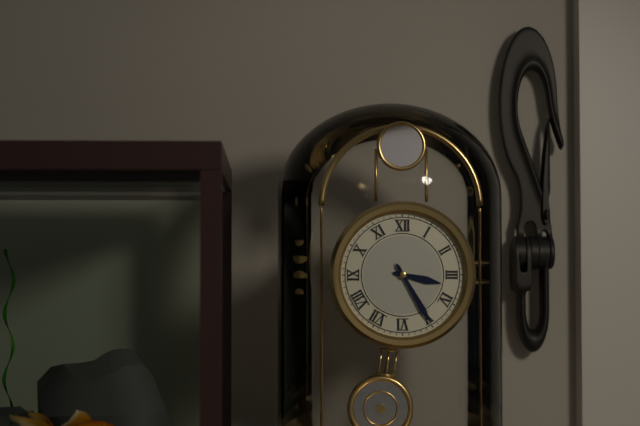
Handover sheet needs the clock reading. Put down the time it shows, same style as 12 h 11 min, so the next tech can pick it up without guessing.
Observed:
3 h 25 min
